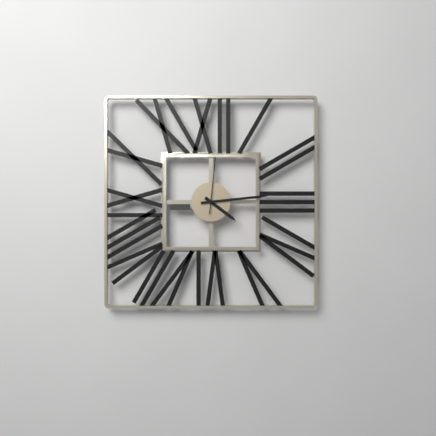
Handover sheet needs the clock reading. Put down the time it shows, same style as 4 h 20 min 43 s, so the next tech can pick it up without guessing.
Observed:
4 h 14 min 01 s
